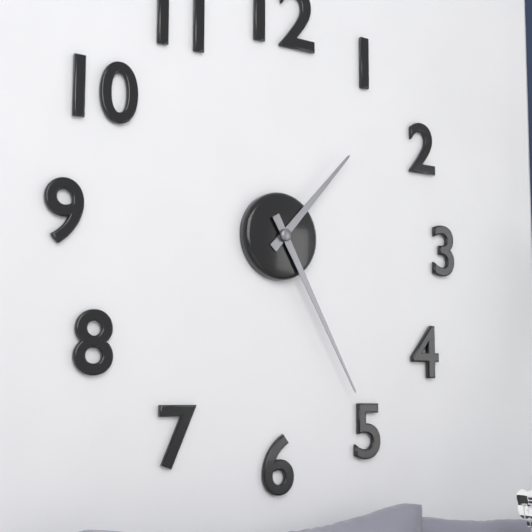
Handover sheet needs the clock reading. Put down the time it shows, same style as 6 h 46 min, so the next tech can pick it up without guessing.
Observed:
1 h 25 min
